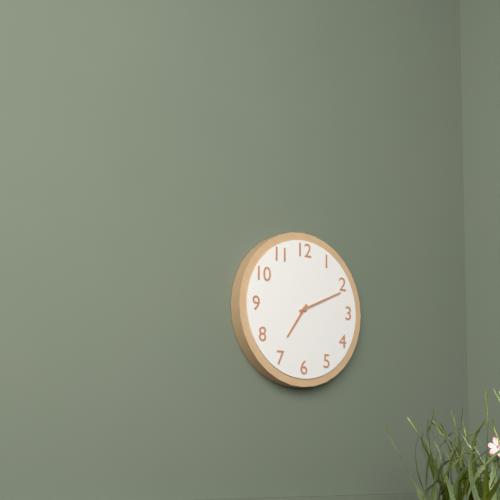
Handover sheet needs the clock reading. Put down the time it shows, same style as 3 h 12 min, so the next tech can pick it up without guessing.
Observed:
7 h 11 min
